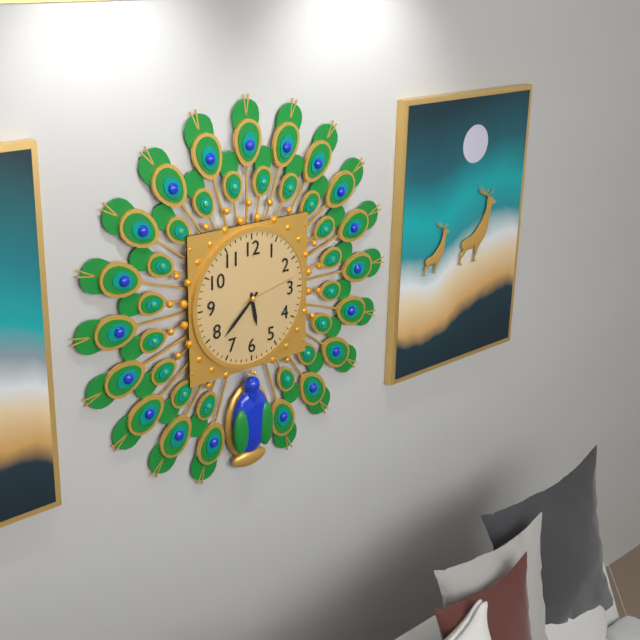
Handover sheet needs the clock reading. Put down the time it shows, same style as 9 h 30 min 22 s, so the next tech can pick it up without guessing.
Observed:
5 h 38 min 13 s
